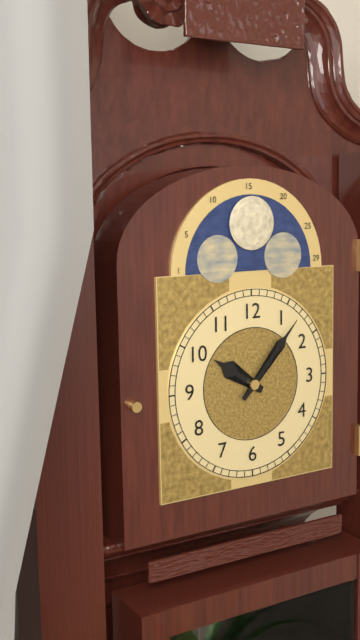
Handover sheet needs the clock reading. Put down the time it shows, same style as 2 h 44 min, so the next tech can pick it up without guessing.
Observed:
10 h 07 min
